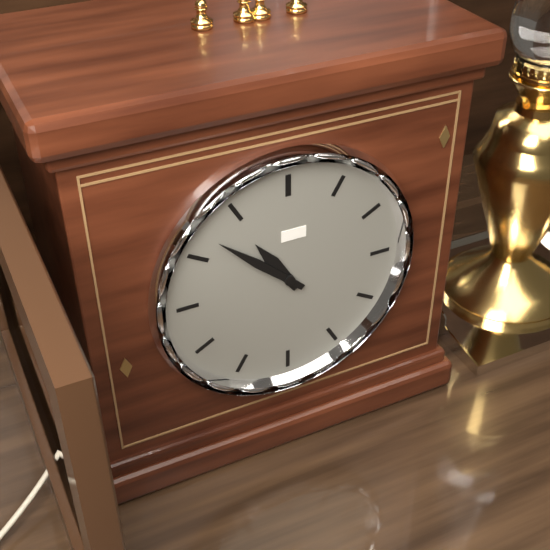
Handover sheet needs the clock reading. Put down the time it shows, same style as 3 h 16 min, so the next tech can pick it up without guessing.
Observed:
10 h 52 min
